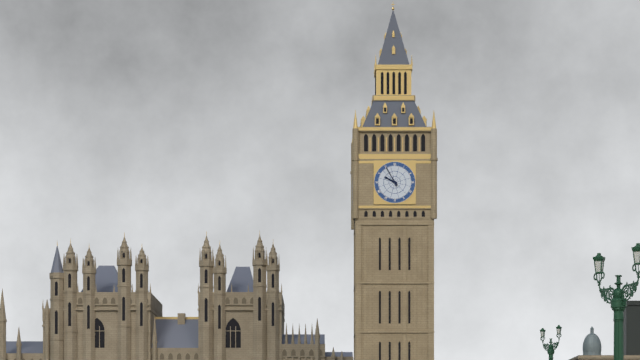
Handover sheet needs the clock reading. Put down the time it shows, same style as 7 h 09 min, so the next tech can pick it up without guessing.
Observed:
9 h 55 min
